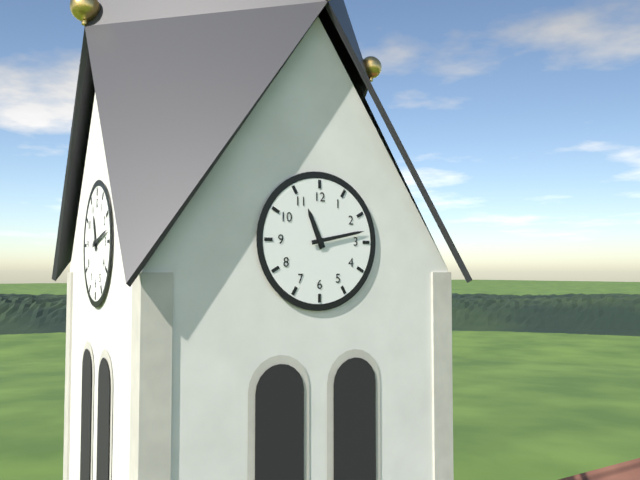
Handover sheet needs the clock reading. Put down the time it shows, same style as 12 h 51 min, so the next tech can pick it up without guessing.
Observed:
11 h 13 min
